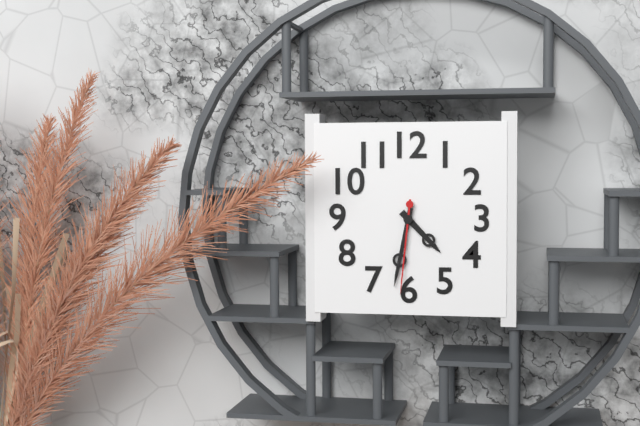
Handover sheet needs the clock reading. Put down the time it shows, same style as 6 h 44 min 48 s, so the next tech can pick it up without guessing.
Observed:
4 h 32 min 31 s
